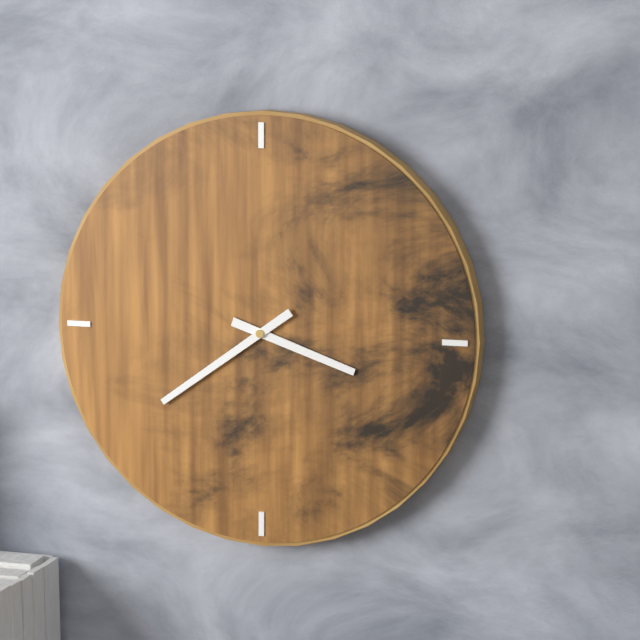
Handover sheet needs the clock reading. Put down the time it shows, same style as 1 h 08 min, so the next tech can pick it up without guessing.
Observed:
3 h 39 min
